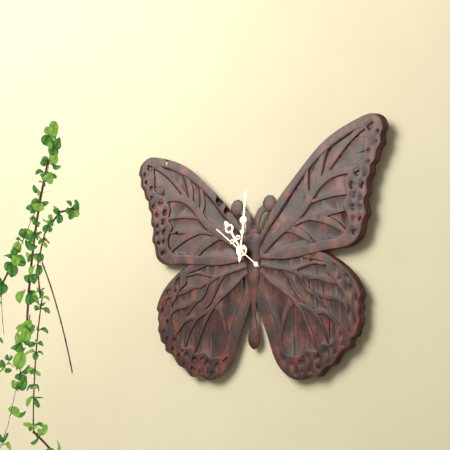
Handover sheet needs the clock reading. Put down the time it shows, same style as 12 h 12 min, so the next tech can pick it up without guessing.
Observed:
11 h 01 min
